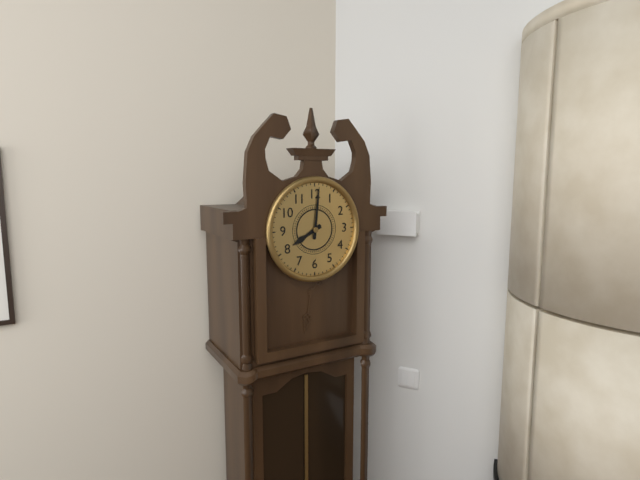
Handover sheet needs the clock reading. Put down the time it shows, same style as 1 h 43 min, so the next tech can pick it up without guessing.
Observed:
8 h 01 min
